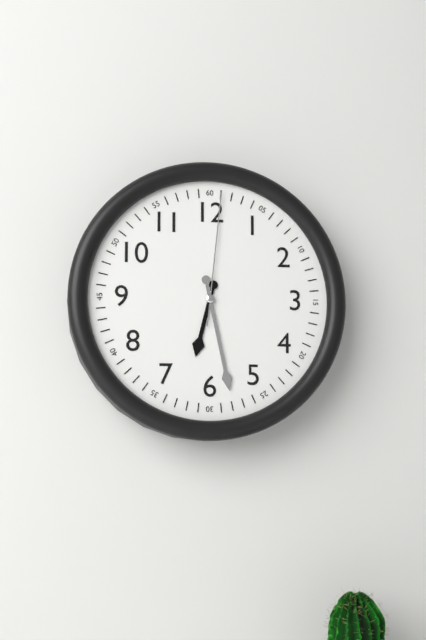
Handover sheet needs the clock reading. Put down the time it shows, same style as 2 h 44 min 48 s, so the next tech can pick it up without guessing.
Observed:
6 h 28 min 01 s
